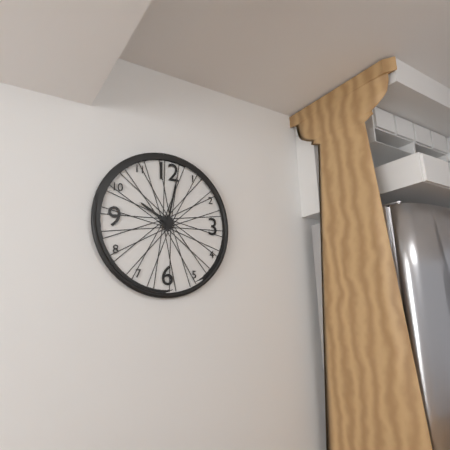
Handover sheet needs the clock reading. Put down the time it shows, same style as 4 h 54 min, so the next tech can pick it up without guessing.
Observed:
10 h 02 min
